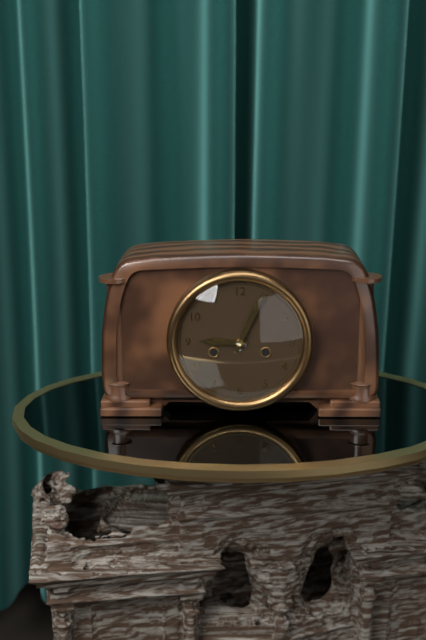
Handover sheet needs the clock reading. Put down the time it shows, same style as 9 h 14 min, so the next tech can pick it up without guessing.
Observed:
9 h 04 min
